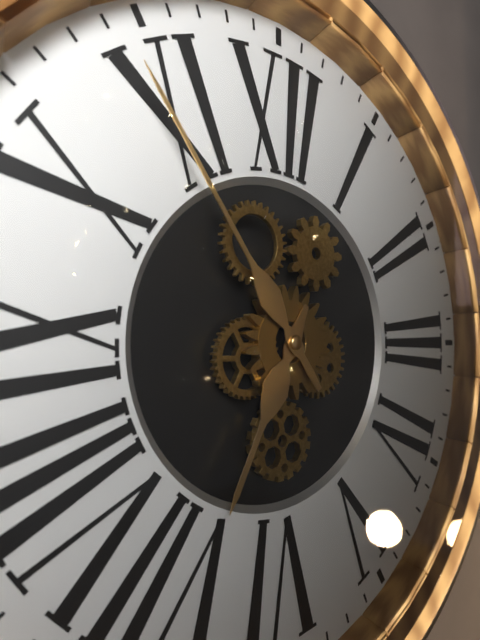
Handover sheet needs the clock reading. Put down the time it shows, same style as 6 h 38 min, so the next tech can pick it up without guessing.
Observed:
6 h 54 min
